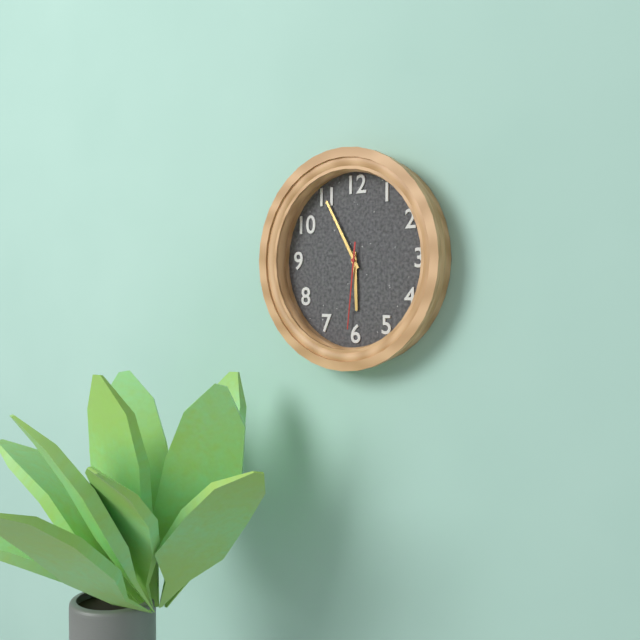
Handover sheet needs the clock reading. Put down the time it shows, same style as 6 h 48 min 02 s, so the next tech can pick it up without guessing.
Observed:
5 h 55 min 31 s
